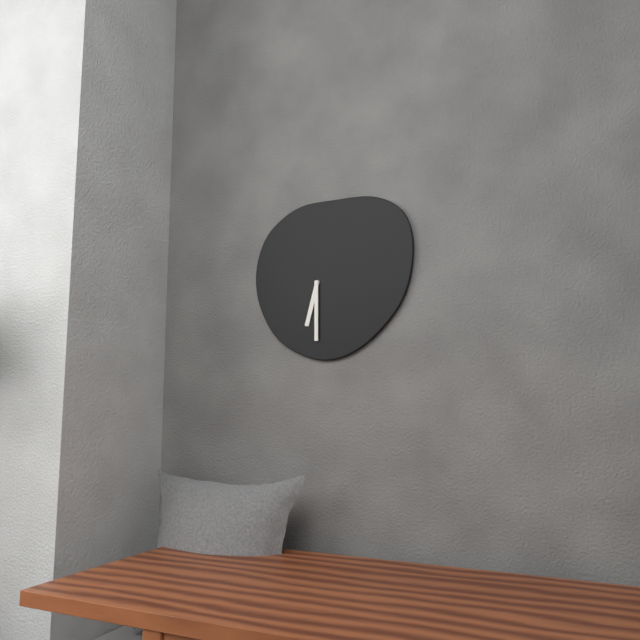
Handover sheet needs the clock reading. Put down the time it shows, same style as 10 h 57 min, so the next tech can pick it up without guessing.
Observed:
6 h 30 min
